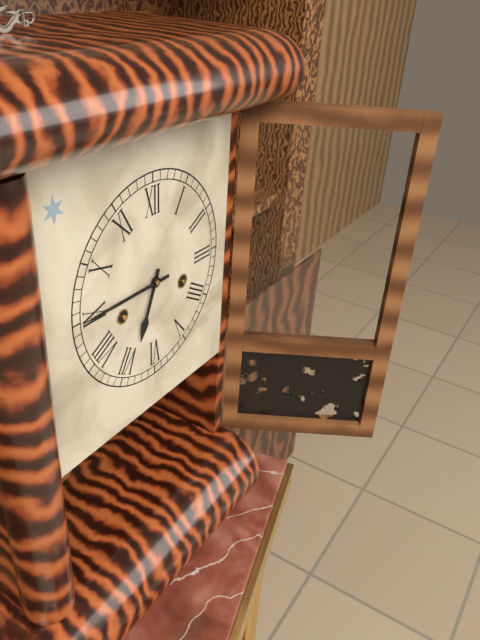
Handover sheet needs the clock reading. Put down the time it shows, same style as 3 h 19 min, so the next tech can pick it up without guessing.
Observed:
6 h 45 min
